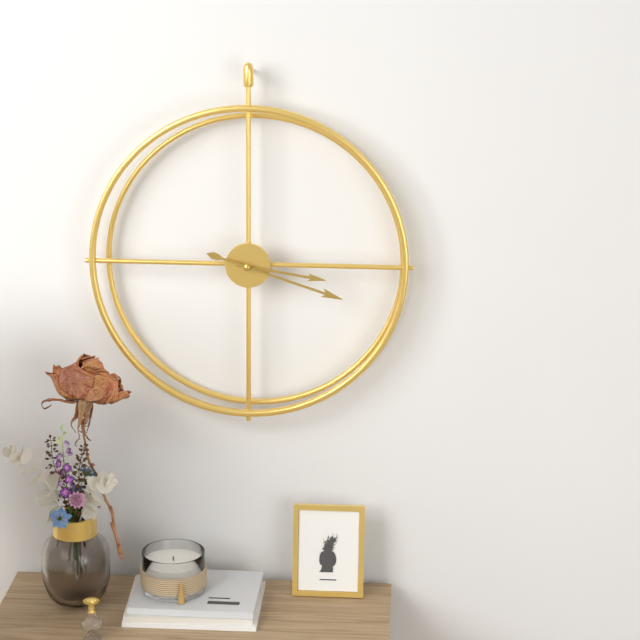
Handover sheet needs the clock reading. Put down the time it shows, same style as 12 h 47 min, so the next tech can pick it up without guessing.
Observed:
3 h 18 min
